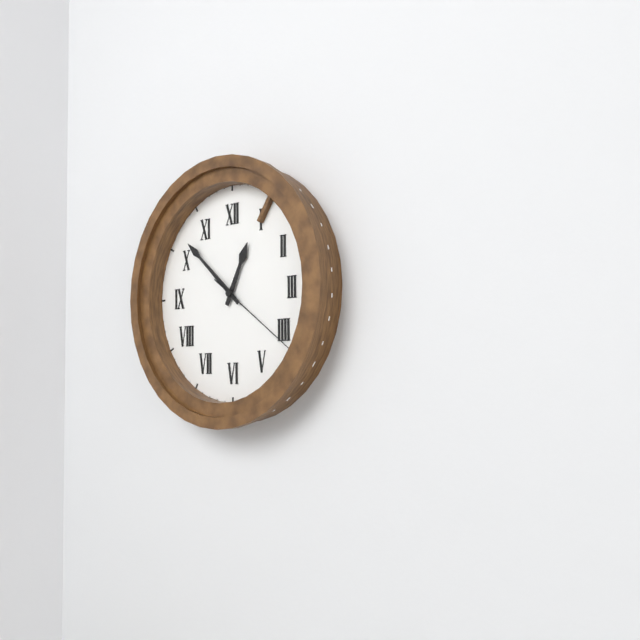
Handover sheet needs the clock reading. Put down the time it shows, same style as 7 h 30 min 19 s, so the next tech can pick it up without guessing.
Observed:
12 h 52 min 21 s
